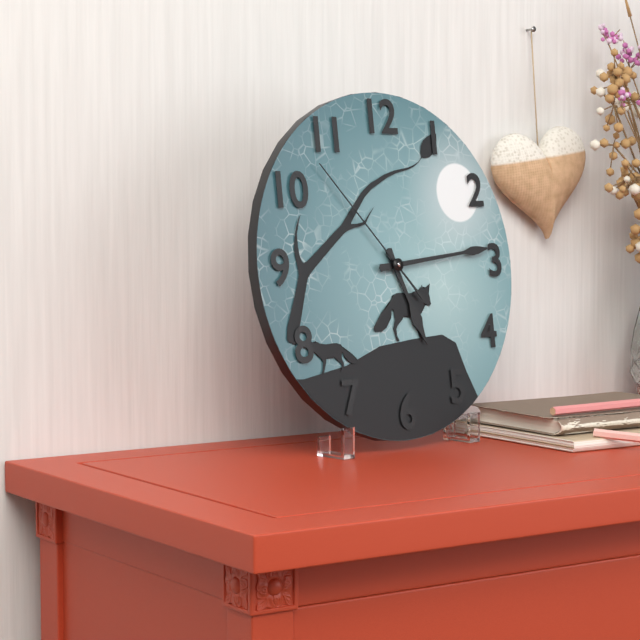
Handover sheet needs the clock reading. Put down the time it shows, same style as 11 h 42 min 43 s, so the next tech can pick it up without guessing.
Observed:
5 h 14 min 53 s
